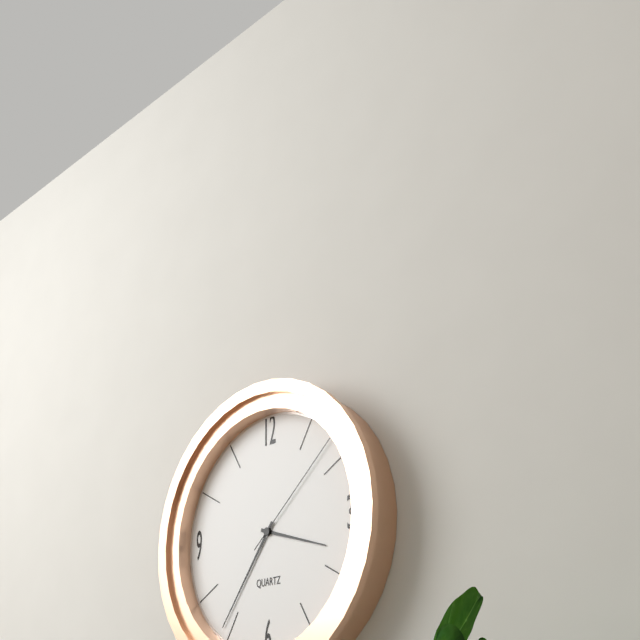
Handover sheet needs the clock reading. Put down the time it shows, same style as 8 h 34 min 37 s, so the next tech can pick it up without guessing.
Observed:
3 h 36 min 08 s
